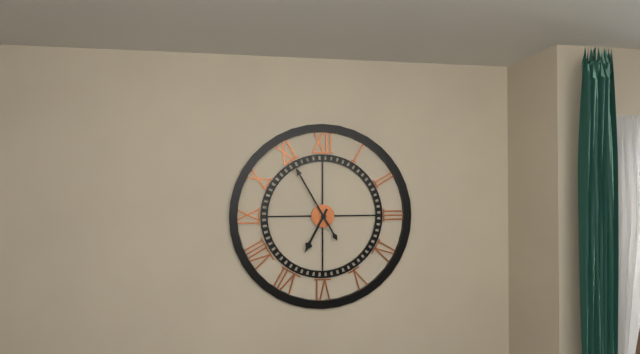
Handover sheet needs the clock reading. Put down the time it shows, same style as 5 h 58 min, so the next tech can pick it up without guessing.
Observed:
6 h 55 min
